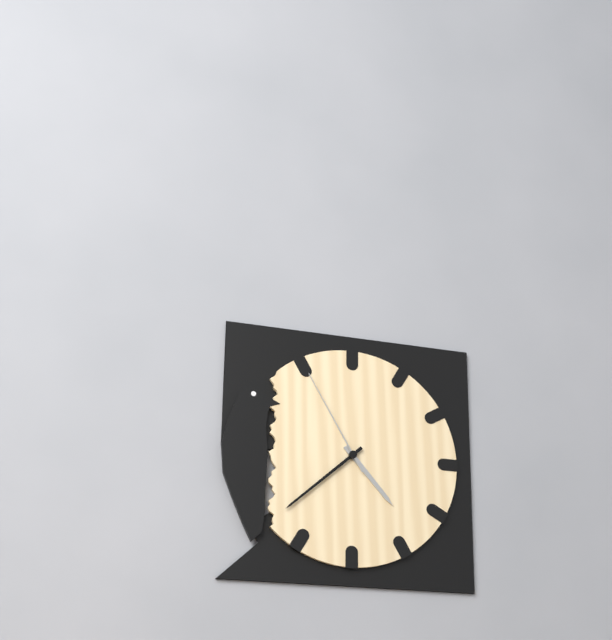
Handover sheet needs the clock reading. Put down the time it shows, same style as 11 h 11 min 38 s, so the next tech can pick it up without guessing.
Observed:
4 h 38 min 55 s
